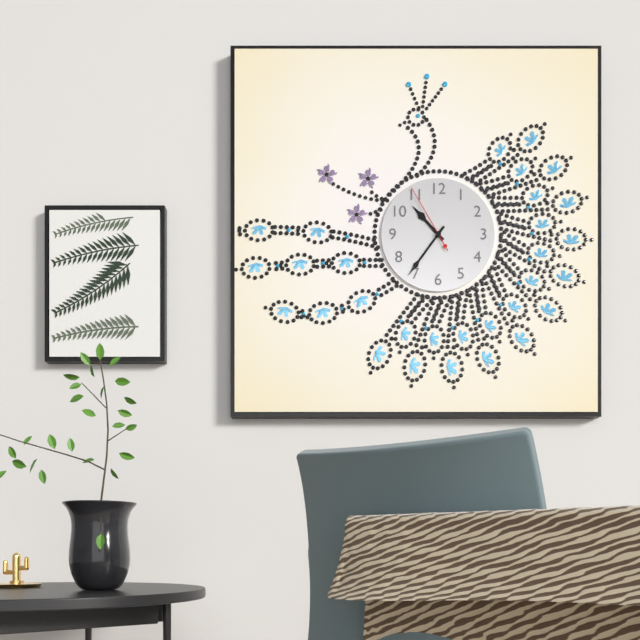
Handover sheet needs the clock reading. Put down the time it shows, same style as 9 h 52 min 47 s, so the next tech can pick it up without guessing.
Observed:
10 h 36 min 55 s
